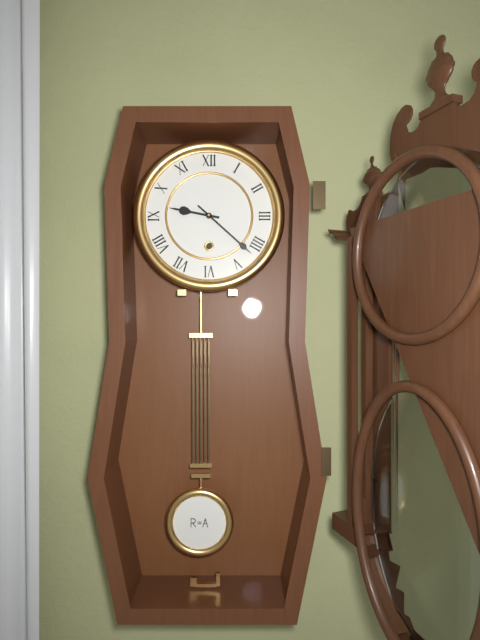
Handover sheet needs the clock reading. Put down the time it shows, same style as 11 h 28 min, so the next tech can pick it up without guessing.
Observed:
9 h 22 min
